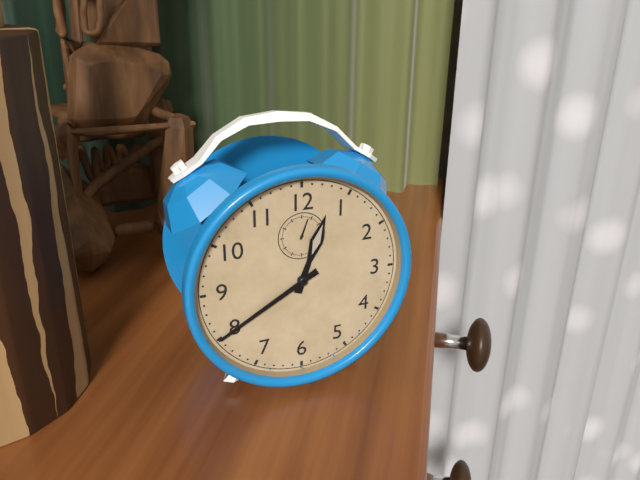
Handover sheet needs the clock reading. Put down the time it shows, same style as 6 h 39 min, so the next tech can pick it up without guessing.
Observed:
12 h 40 min
